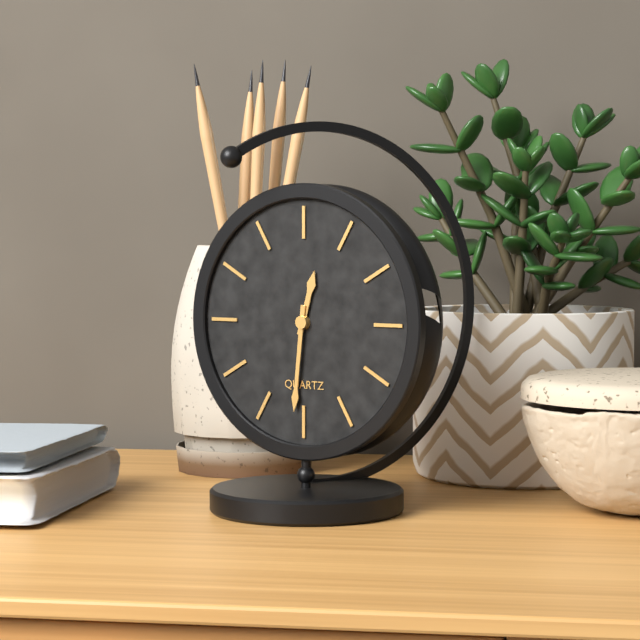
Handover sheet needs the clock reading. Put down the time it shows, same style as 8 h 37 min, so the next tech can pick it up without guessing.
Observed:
12 h 31 min
